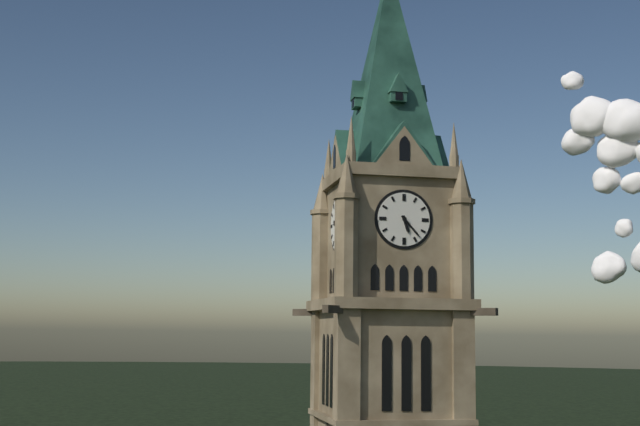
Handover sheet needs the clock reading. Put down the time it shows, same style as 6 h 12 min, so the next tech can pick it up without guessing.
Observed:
5 h 23 min
